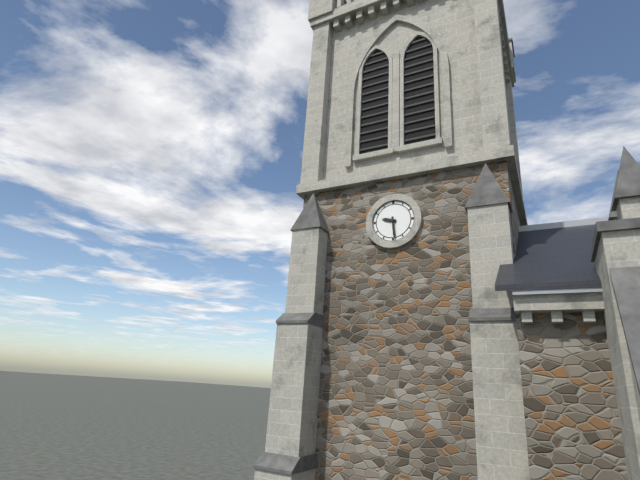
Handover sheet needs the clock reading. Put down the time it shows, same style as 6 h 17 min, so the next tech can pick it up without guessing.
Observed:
9 h 29 min
